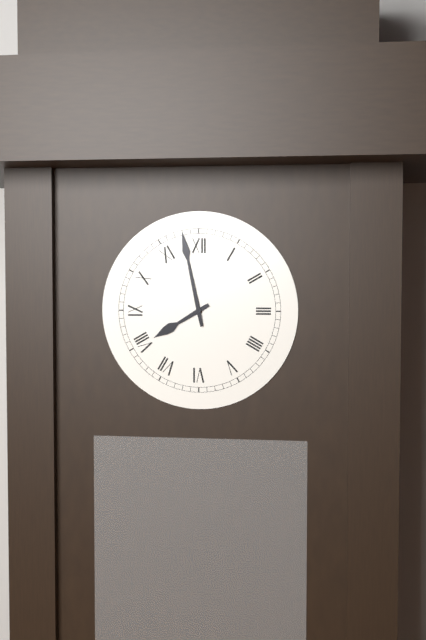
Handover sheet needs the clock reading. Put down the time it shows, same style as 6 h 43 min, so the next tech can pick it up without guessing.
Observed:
7 h 58 min
